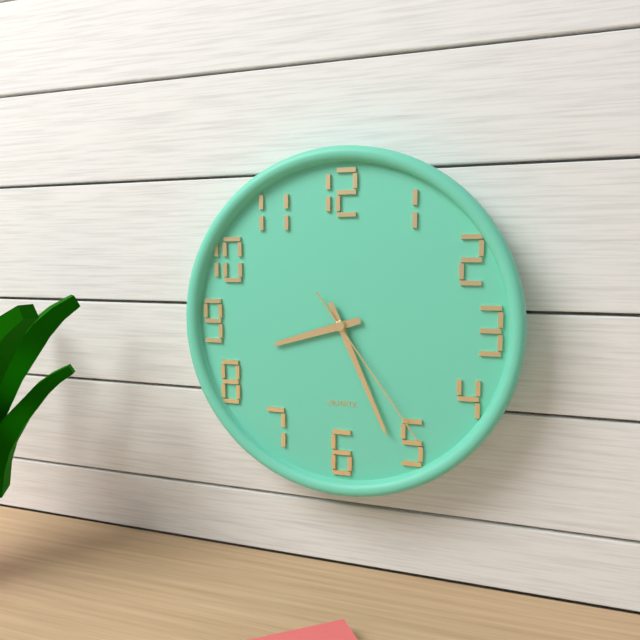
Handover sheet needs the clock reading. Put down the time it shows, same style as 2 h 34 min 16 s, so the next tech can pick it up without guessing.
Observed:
8 h 26 min 24 s
